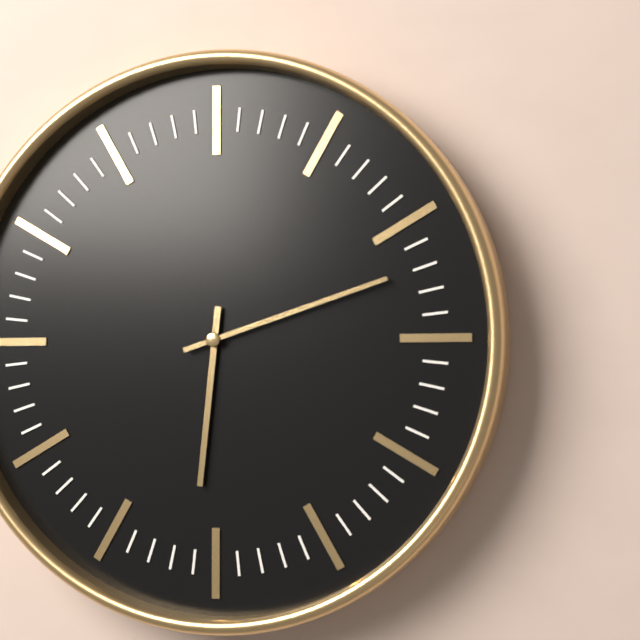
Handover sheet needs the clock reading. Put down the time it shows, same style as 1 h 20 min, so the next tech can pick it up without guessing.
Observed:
6 h 12 min
